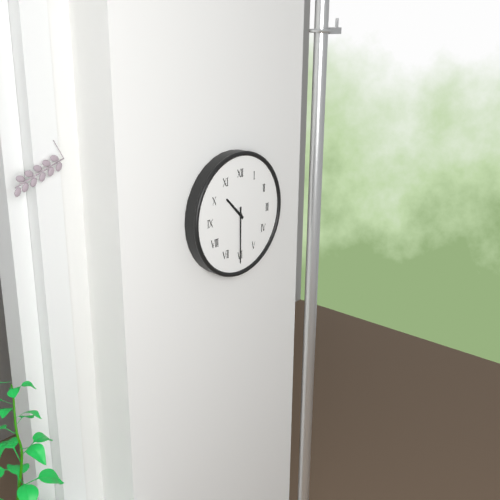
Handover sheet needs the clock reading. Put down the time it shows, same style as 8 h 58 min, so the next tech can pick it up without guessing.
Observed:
10 h 30 min
